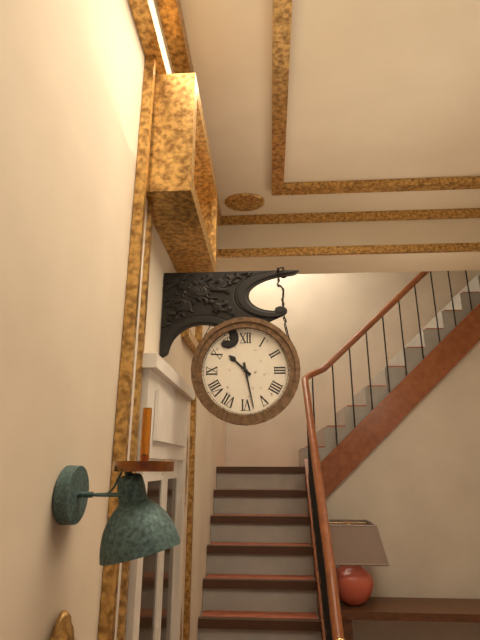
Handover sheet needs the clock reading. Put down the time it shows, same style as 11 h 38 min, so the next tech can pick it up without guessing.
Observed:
10 h 28 min
